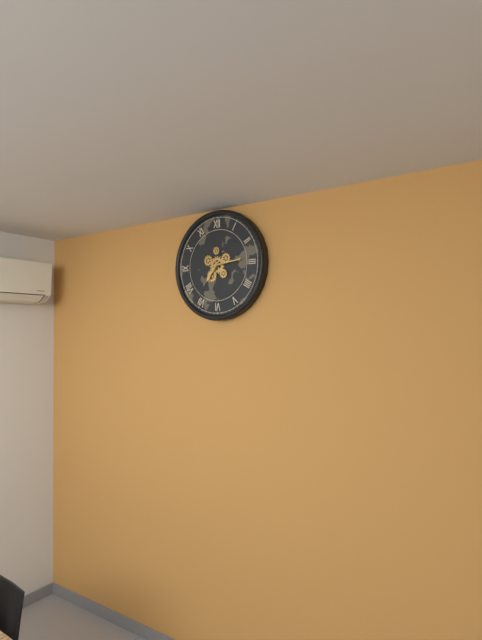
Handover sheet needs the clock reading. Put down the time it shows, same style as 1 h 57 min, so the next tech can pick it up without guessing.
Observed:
7 h 14 min
